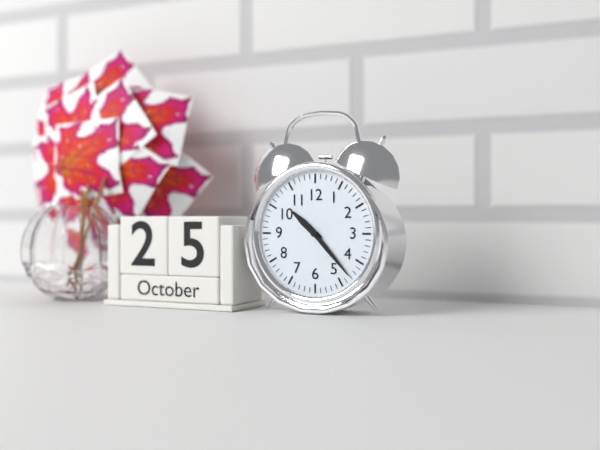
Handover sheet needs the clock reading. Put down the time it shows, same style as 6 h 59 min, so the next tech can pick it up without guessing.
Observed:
10 h 23 min
